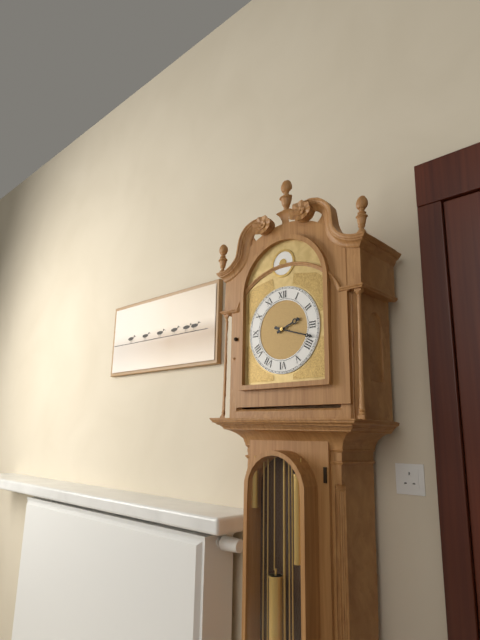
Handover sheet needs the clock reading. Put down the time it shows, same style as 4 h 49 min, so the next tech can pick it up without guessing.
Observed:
2 h 18 min
